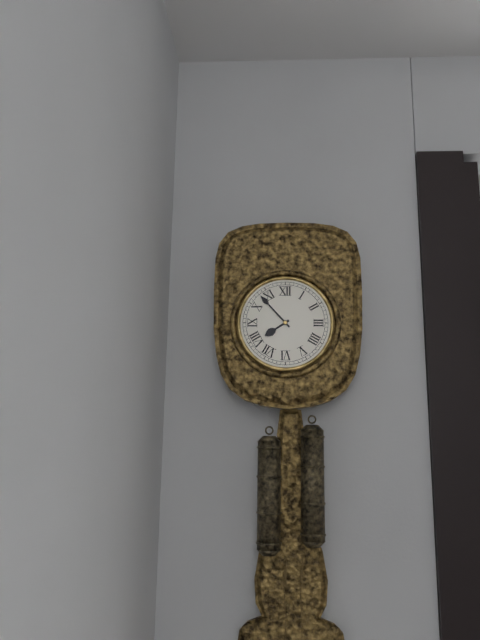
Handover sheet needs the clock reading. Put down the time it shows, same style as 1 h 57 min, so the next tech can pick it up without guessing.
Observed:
7 h 53 min
